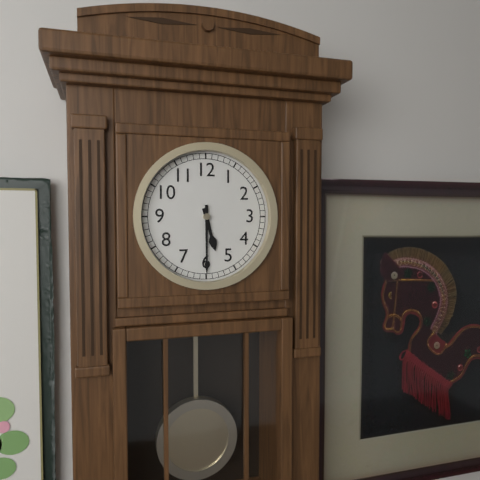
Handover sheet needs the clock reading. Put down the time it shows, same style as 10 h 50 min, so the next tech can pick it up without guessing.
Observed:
5 h 30 min
